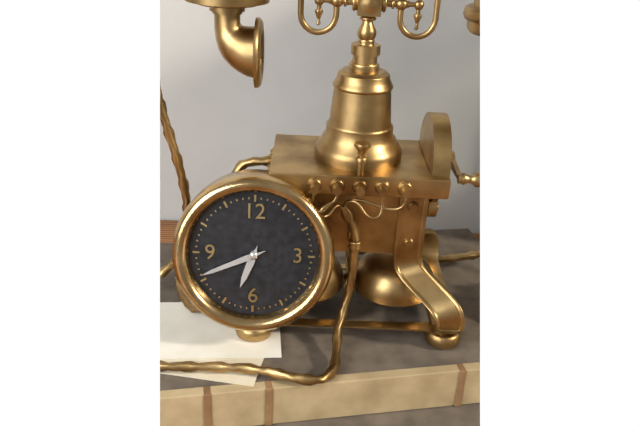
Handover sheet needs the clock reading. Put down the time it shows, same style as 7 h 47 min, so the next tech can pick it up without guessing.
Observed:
6 h 41 min
